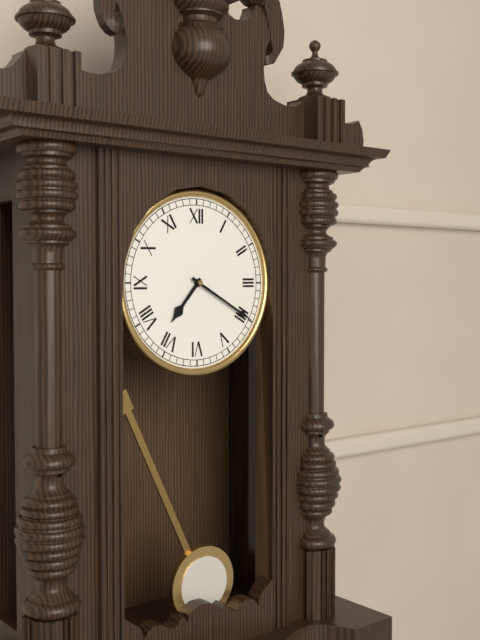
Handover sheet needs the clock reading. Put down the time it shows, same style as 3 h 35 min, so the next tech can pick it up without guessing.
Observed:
7 h 20 min
